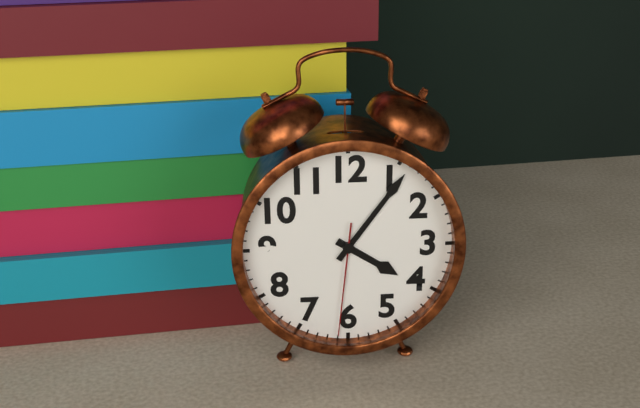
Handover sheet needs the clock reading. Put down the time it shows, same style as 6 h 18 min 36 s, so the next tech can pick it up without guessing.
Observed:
4 h 06 min 31 s
